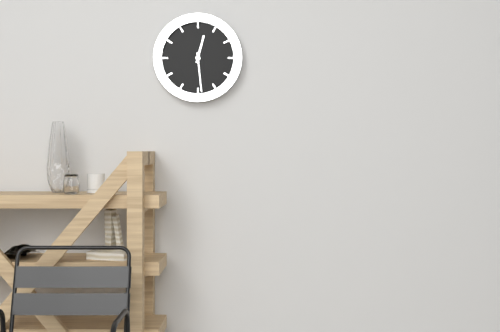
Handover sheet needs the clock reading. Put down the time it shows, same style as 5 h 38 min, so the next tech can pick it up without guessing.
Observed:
12 h 29 min
